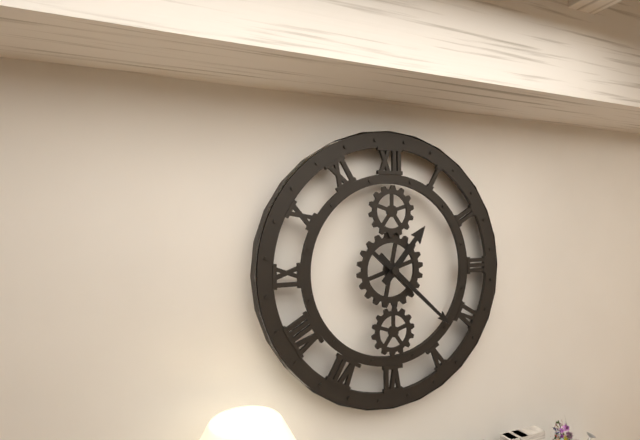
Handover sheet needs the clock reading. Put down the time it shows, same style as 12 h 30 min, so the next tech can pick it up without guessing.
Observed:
1 h 22 min
